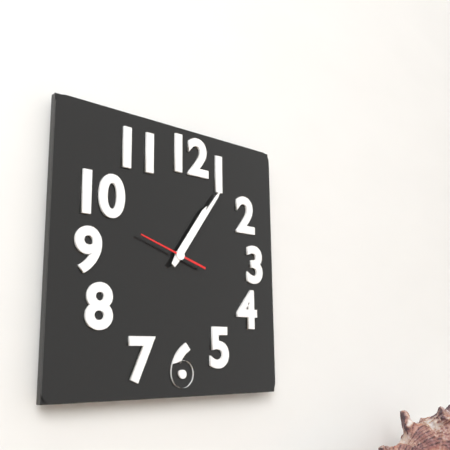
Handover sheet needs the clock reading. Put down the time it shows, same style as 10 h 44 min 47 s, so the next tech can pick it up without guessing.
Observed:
1 h 06 min 48 s
